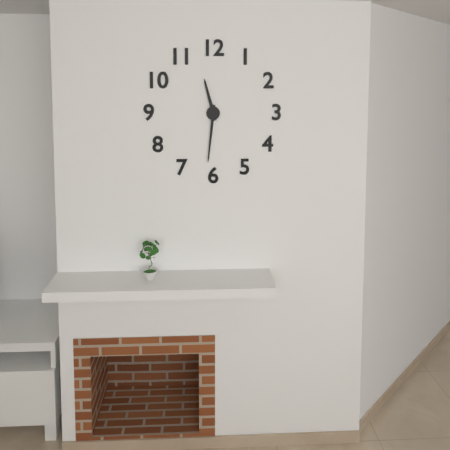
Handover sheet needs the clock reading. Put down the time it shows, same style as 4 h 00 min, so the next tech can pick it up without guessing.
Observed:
11 h 31 min
